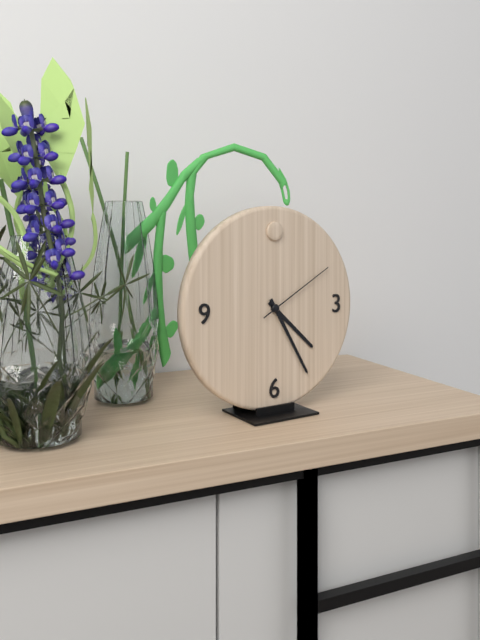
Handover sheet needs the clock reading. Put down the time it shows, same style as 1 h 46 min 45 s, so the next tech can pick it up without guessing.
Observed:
4 h 25 min 10 s
